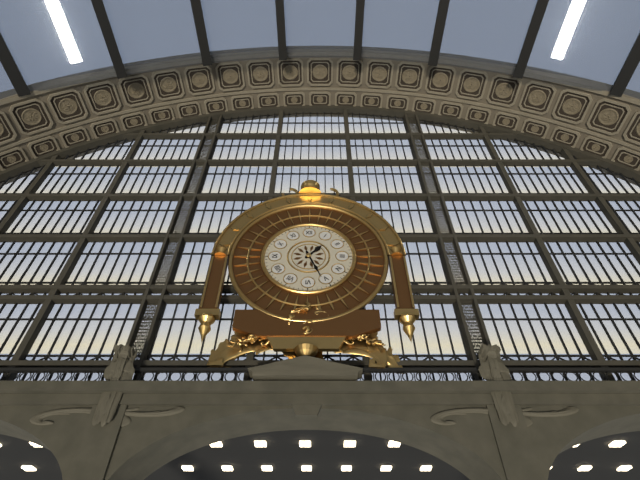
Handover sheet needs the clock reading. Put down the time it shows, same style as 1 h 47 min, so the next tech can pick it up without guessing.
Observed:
1 h 26 min
